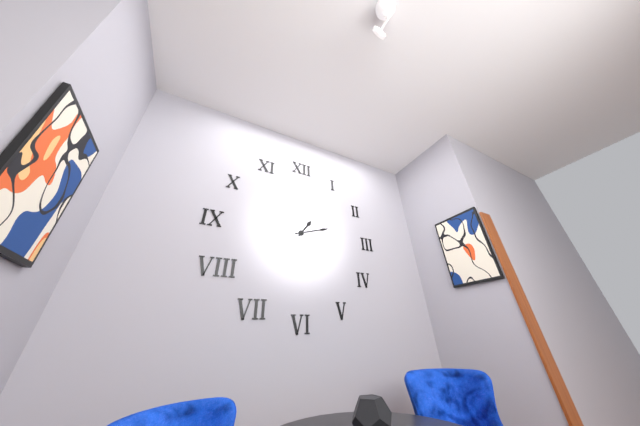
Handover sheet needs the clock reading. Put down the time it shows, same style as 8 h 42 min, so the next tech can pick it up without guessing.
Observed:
1 h 12 min
